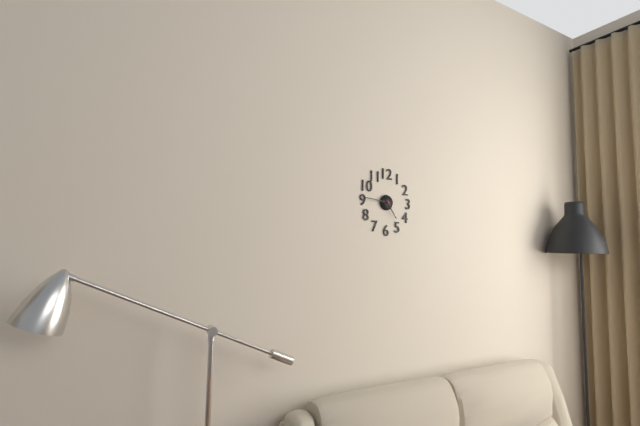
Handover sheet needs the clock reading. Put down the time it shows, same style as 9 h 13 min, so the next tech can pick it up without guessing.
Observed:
4 h 46 min
